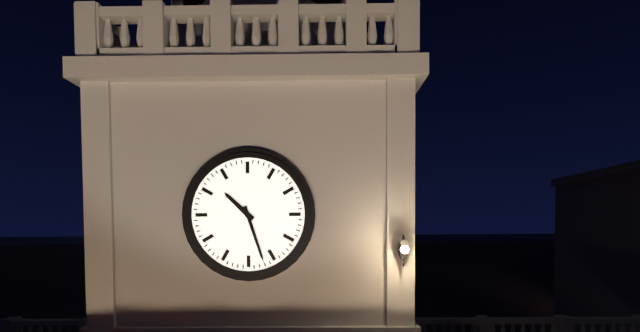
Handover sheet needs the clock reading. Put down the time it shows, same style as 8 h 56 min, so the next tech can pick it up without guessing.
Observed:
10 h 27 min
